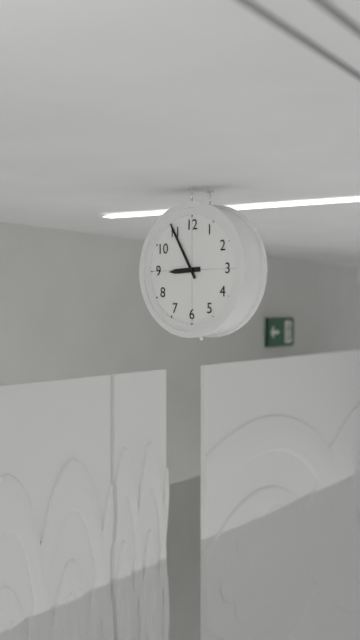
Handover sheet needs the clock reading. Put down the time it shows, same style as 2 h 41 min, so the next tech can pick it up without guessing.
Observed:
8 h 55 min
